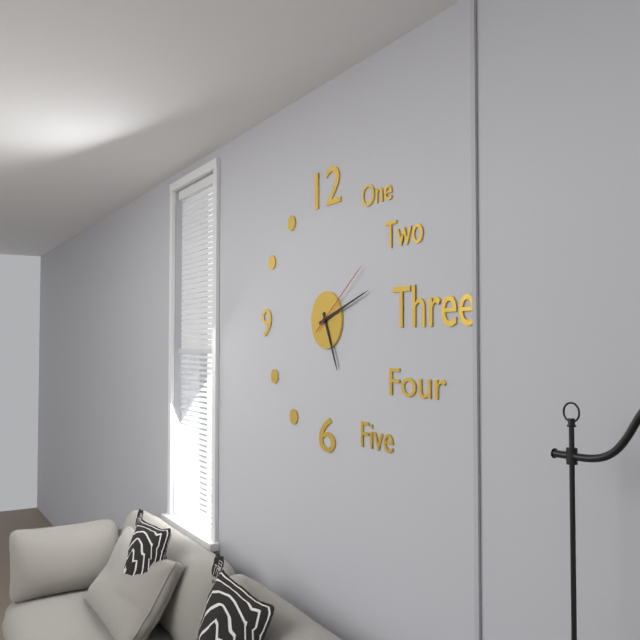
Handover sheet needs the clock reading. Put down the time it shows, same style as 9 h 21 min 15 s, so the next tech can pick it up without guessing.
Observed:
5 h 12 min 09 s
